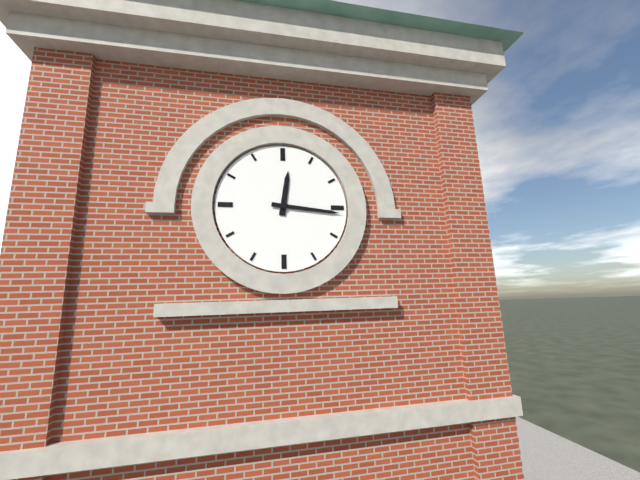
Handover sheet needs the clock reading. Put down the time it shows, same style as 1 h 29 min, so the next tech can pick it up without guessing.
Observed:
12 h 16 min
